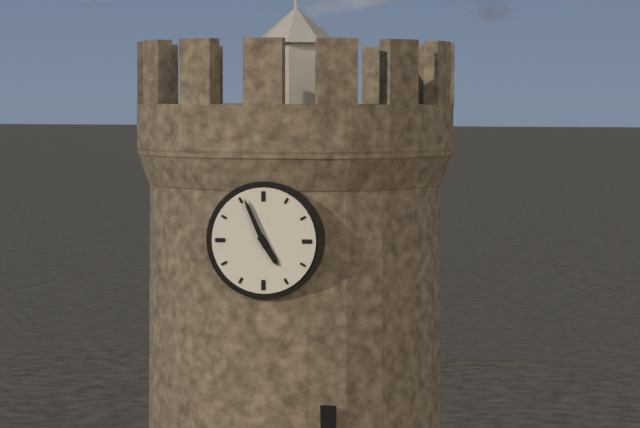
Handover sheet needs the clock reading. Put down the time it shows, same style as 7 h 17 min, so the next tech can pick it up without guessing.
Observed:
4 h 56 min
